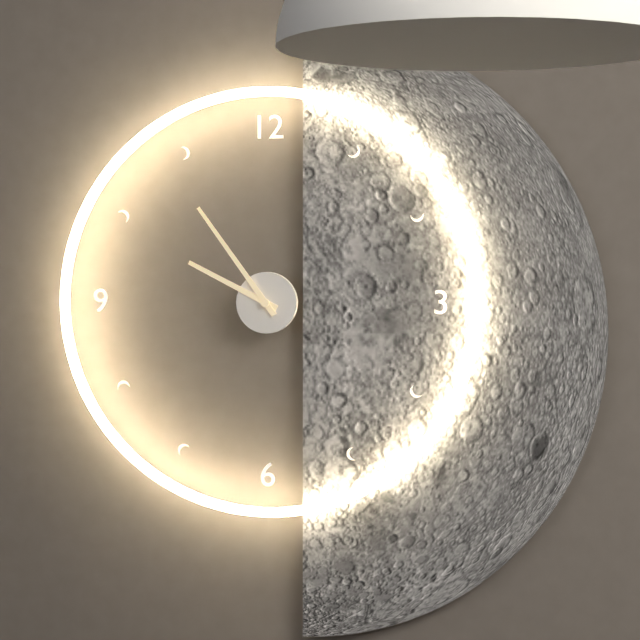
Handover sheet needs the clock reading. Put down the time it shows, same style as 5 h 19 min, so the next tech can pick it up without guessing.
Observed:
9 h 54 min
